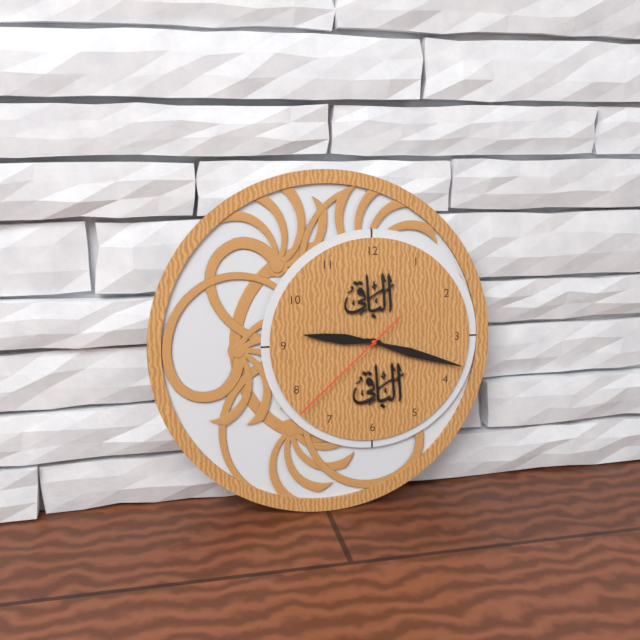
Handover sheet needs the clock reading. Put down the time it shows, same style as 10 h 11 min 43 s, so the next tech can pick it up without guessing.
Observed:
9 h 18 min 38 s
